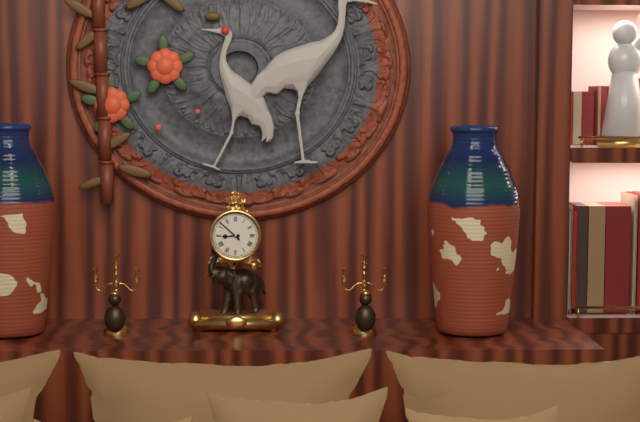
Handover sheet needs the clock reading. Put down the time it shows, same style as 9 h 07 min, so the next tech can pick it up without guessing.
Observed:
8 h 52 min
